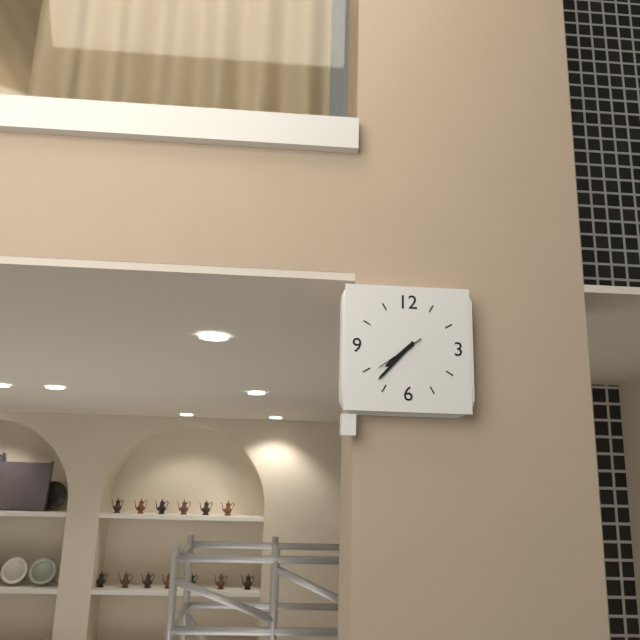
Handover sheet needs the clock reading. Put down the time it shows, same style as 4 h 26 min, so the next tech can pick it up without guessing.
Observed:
7 h 37 min
